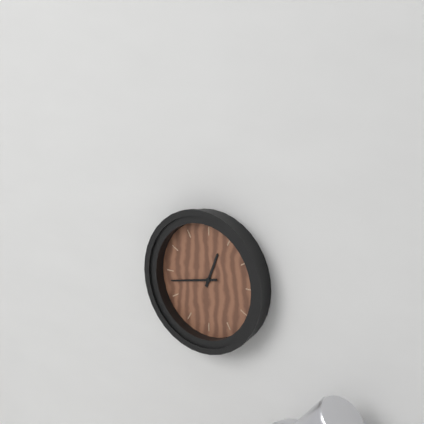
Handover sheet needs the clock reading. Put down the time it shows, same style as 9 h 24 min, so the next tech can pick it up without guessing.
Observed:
12 h 43 min
